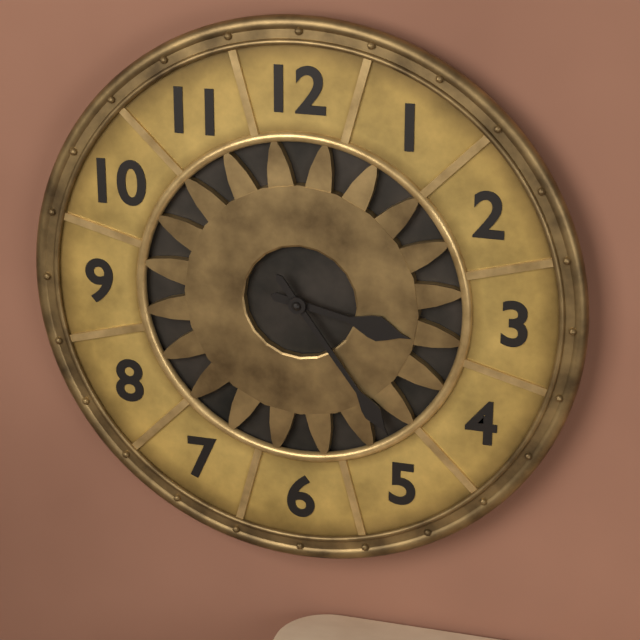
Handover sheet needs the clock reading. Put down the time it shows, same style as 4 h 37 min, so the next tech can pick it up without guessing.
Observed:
3 h 24 min
